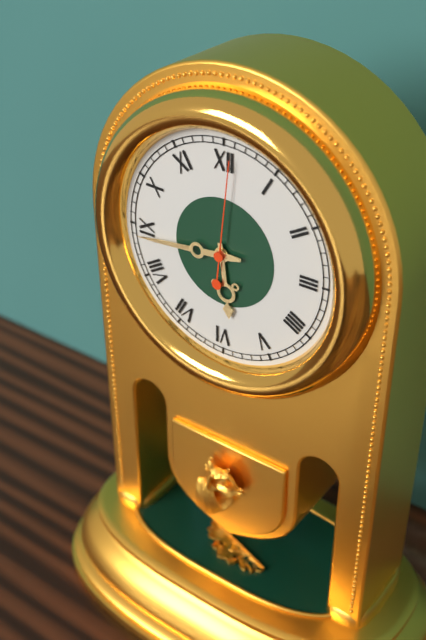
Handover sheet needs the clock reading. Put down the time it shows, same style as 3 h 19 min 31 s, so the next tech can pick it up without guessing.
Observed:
5 h 44 min 01 s
